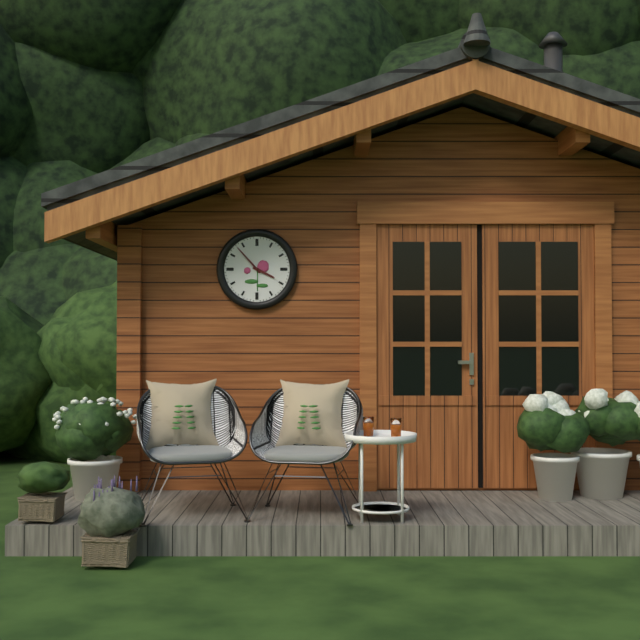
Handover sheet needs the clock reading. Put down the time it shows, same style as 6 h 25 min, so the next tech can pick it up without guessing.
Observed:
3 h 53 min
